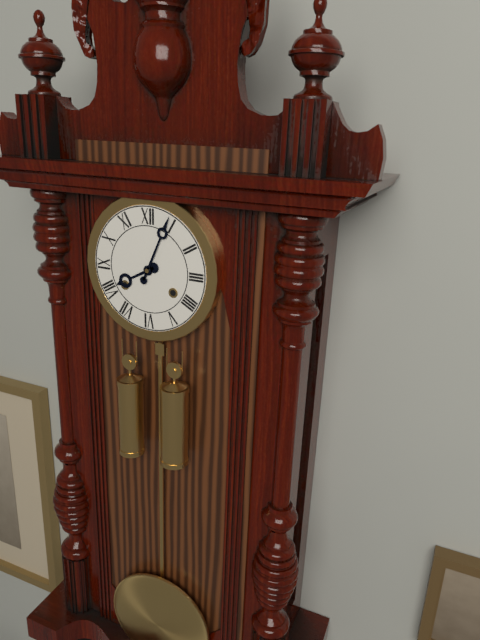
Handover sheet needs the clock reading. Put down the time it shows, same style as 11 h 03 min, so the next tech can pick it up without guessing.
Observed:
8 h 04 min
